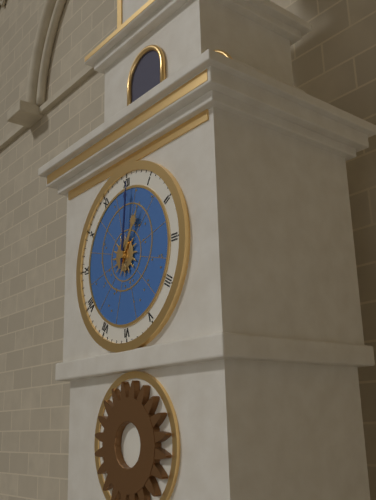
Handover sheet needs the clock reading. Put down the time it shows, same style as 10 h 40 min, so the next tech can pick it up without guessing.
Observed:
1 h 01 min
